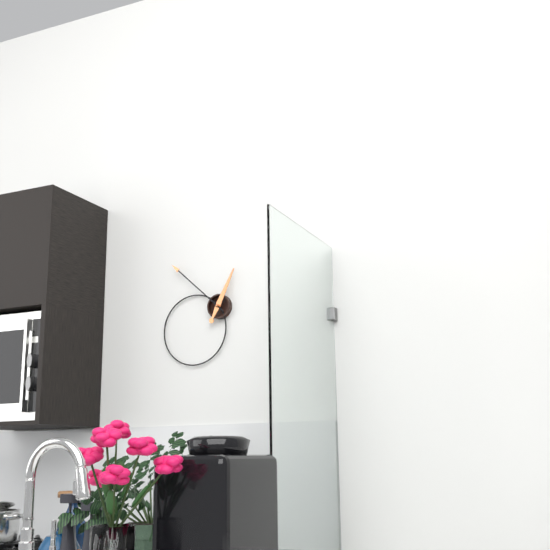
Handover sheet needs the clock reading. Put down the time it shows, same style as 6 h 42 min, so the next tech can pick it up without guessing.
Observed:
12 h 52 min
